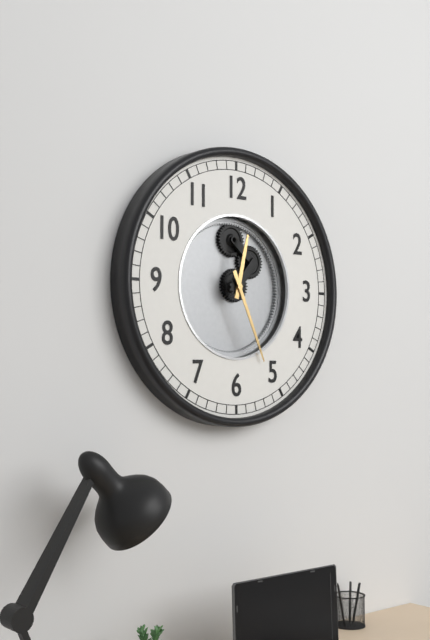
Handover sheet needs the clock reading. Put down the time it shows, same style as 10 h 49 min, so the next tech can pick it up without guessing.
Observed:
12 h 26 min
